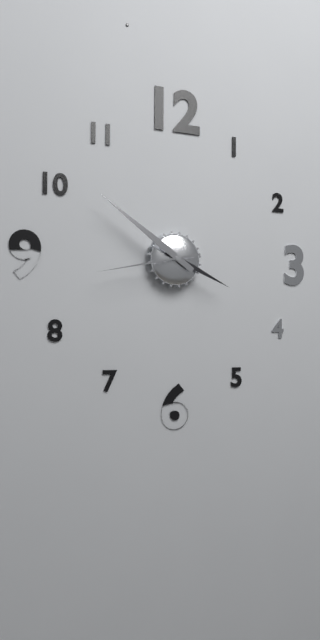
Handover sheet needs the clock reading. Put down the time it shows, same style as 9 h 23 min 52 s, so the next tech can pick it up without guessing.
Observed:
3 h 51 min 43 s
